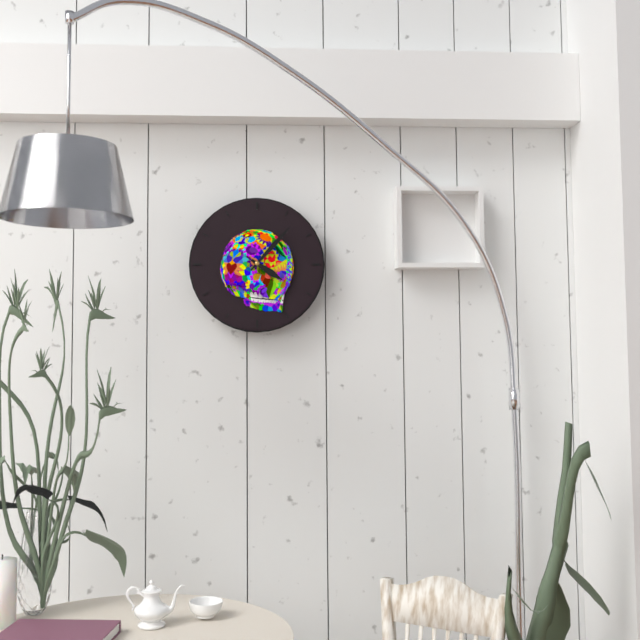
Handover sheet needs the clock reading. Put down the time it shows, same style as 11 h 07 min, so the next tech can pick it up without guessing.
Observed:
4 h 07 min
